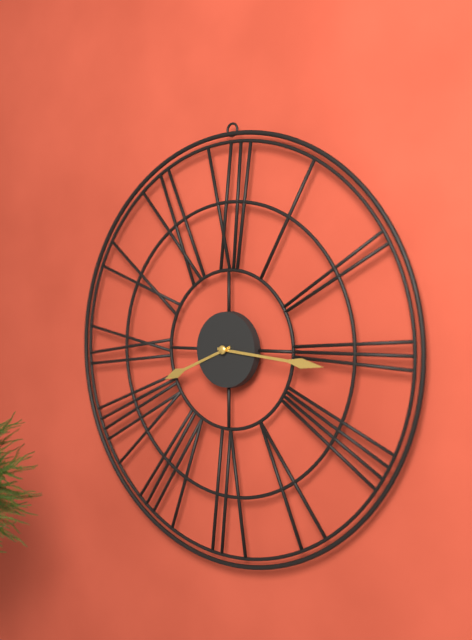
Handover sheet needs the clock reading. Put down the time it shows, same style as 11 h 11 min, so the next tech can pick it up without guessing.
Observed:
8 h 16 min
